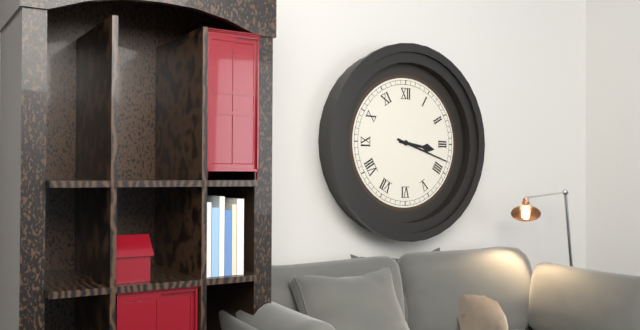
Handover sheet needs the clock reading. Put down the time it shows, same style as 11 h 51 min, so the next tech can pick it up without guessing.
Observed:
3 h 18 min
